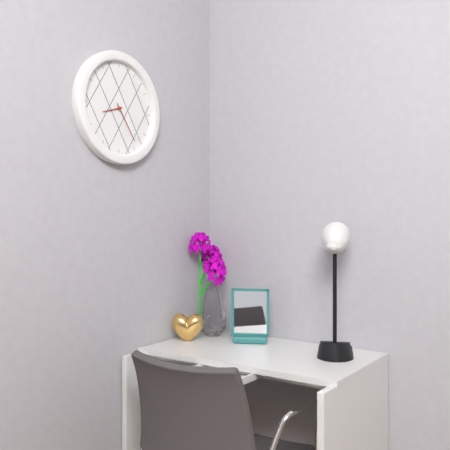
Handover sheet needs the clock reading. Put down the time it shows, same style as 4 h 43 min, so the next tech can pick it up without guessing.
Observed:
8 h 24 min
